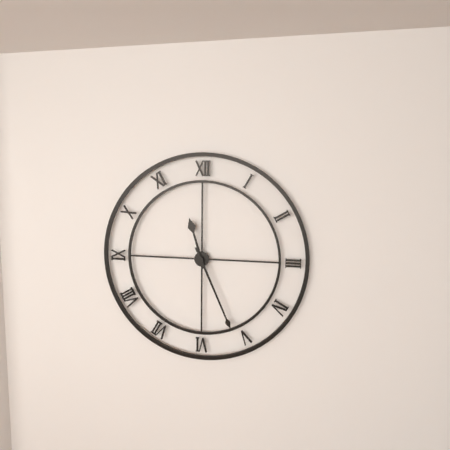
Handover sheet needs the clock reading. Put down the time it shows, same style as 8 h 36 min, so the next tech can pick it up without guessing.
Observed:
11 h 26 min
